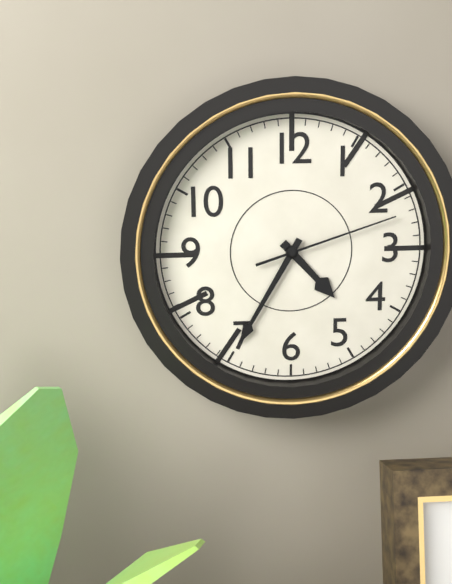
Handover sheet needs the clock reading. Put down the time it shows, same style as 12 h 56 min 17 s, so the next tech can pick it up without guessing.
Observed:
4 h 35 min 12 s
